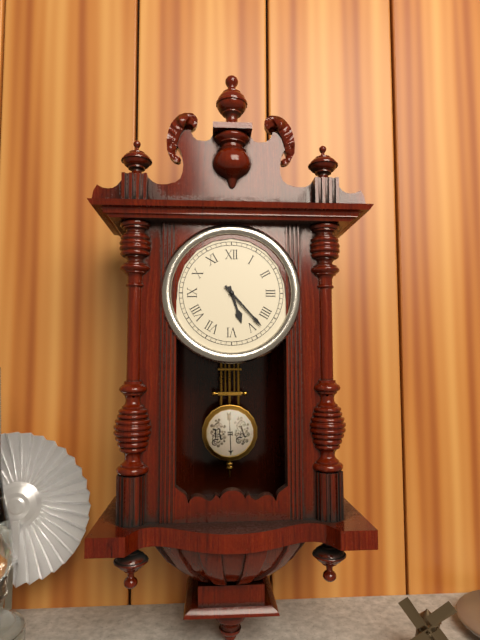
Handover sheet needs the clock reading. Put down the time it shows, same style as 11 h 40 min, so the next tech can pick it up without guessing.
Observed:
5 h 23 min
